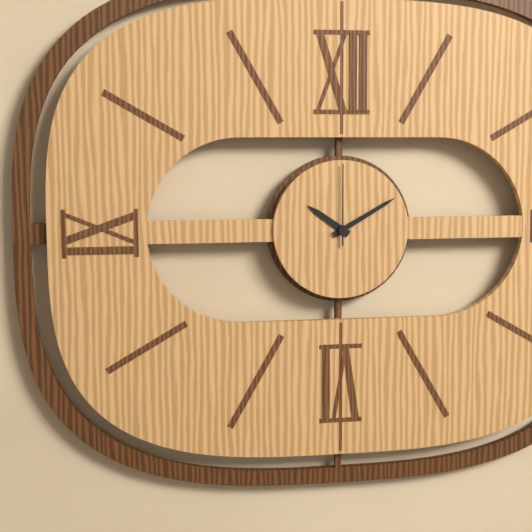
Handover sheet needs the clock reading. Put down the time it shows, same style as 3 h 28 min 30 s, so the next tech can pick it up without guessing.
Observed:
10 h 10 min 00 s
